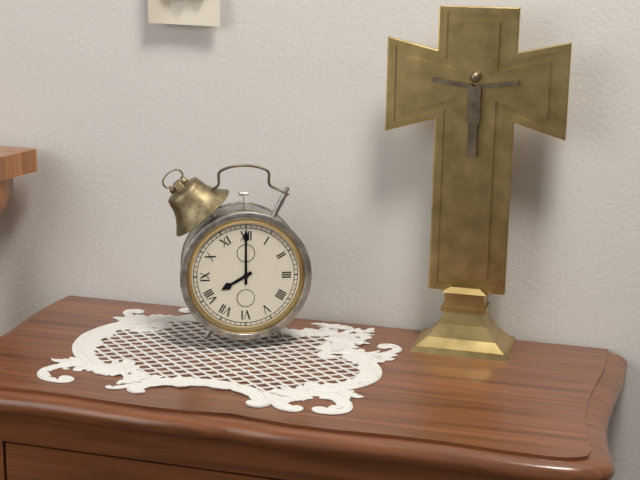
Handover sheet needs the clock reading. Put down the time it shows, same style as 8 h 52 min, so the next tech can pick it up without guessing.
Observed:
8 h 00 min
